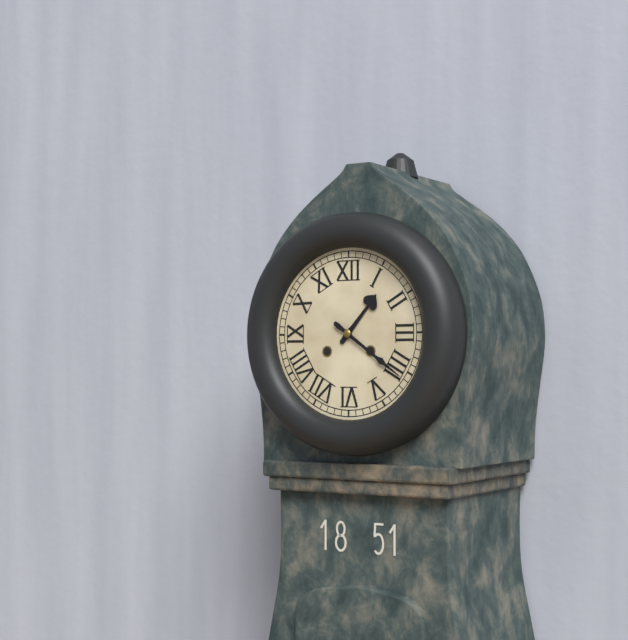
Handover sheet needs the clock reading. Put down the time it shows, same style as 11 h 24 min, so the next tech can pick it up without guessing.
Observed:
1 h 21 min
